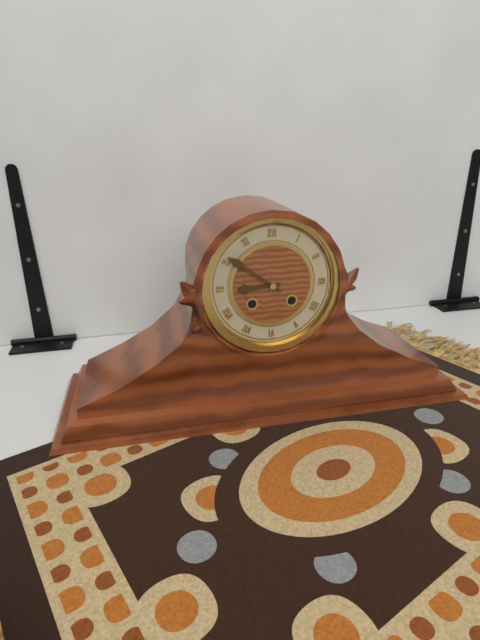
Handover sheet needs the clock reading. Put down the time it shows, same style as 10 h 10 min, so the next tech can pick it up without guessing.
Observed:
8 h 51 min
